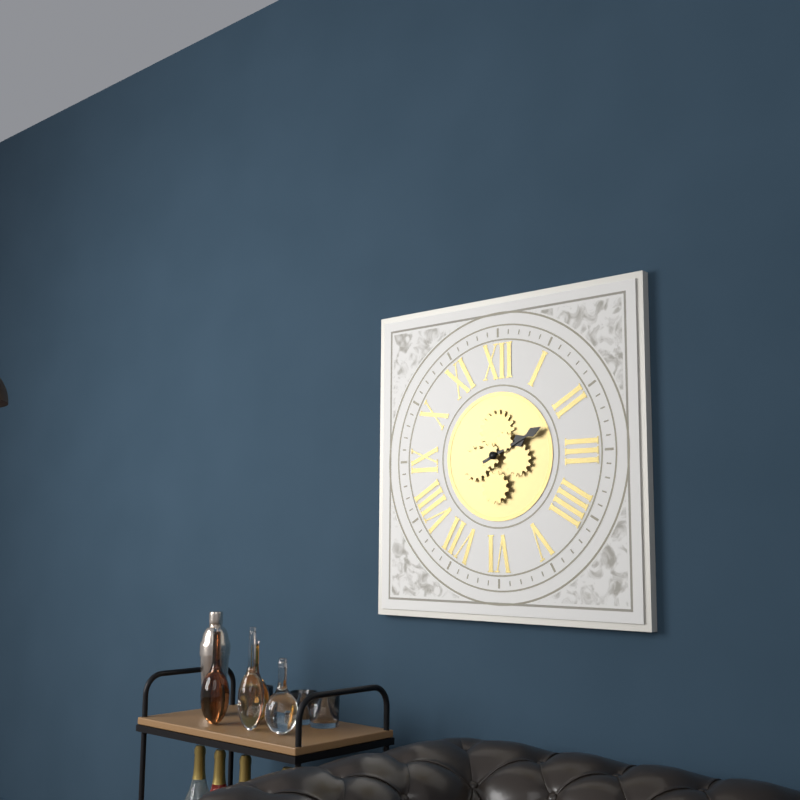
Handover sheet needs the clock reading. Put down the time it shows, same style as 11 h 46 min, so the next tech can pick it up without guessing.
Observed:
2 h 11 min
